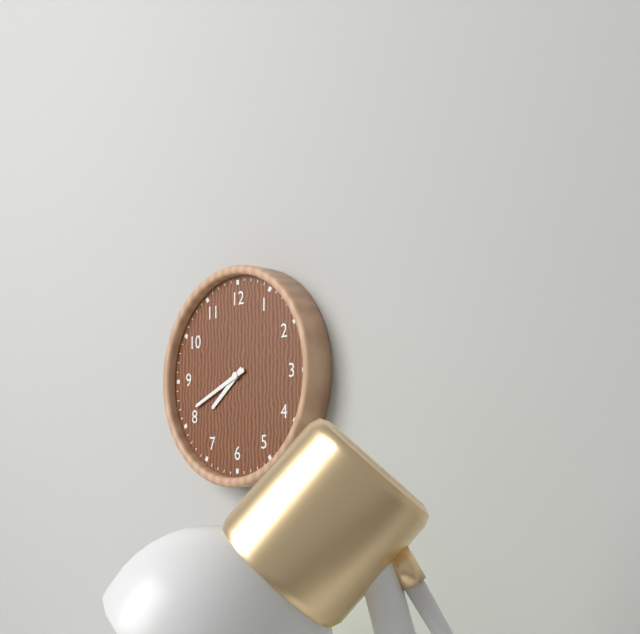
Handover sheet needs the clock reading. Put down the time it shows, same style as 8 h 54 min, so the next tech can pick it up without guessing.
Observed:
7 h 41 min
